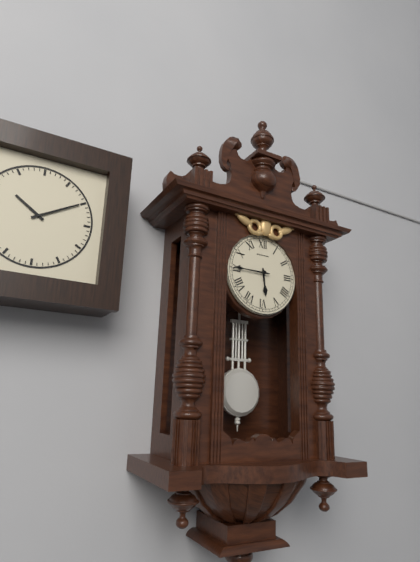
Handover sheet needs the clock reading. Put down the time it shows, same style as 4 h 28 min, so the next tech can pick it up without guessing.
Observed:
5 h 45 min
